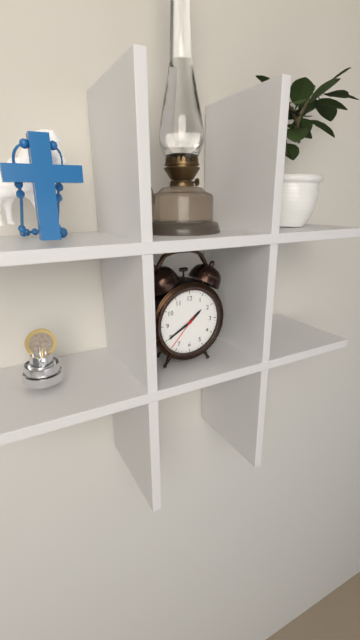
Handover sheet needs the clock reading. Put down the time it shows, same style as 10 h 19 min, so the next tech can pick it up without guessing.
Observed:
1 h 40 min
